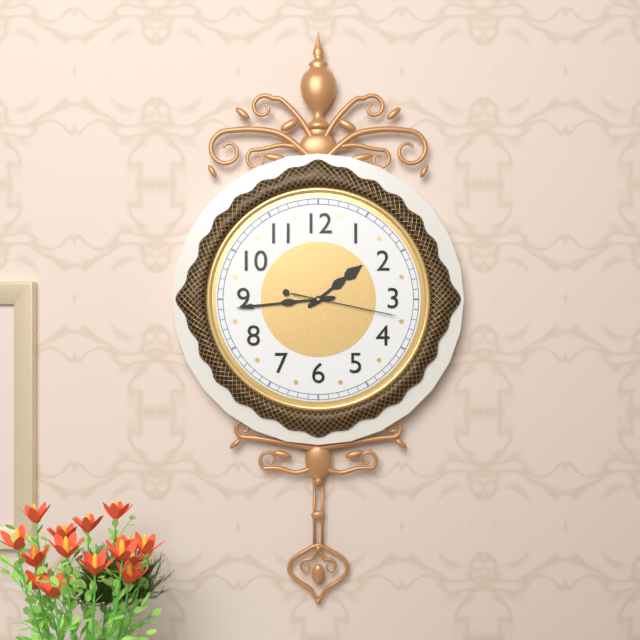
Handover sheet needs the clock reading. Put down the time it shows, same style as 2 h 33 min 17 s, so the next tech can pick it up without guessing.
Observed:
1 h 44 min 17 s
